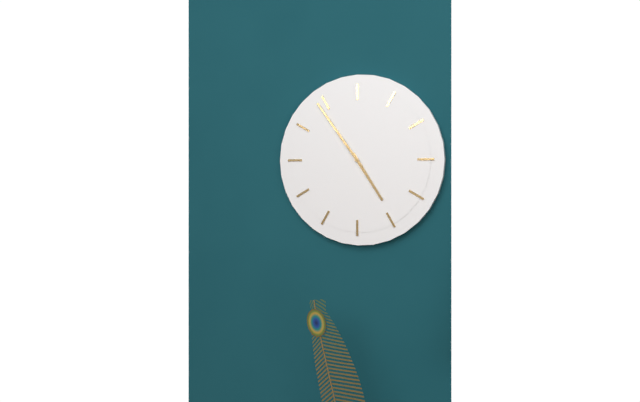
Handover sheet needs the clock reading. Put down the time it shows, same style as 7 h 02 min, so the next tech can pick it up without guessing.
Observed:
4 h 54 min
